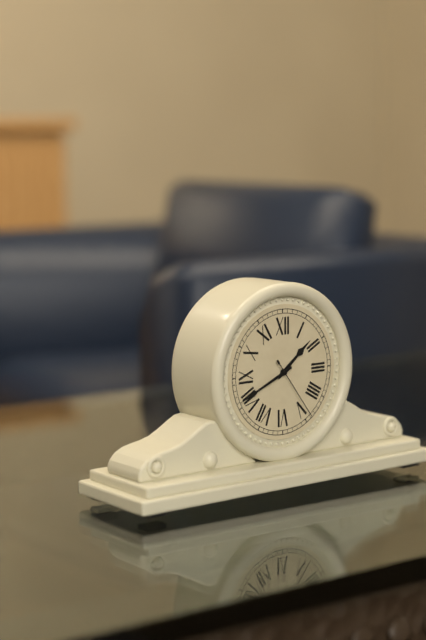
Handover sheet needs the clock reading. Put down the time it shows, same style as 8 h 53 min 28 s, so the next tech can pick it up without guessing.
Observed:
1 h 41 min 24 s
